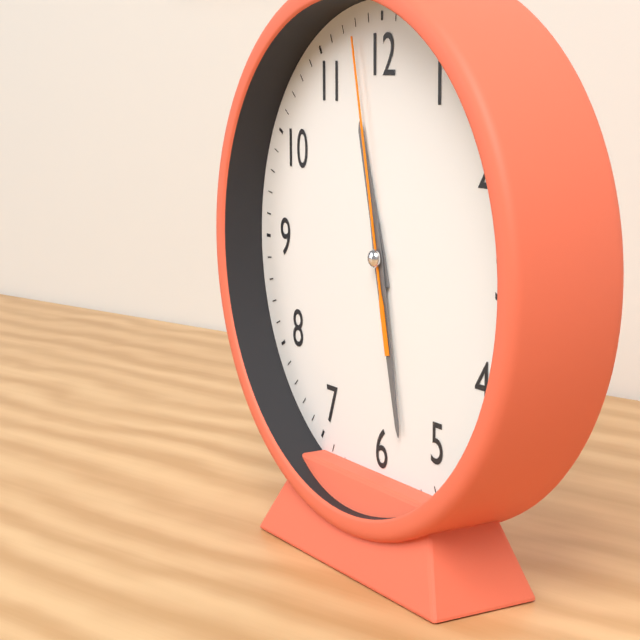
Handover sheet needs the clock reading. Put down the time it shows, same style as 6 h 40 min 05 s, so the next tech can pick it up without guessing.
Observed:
11 h 28 min 58 s
